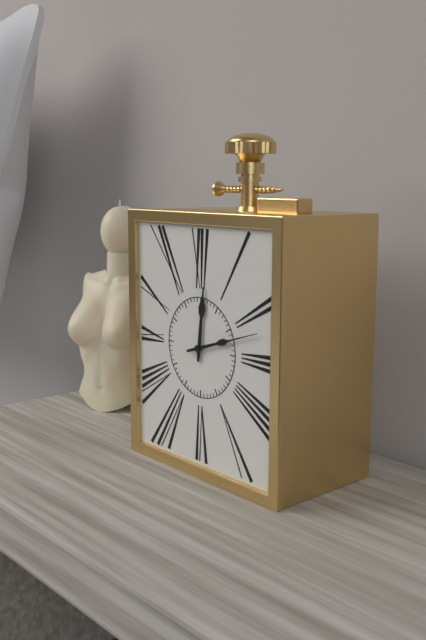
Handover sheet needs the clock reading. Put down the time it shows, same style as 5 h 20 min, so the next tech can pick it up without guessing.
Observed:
12 h 12 min
